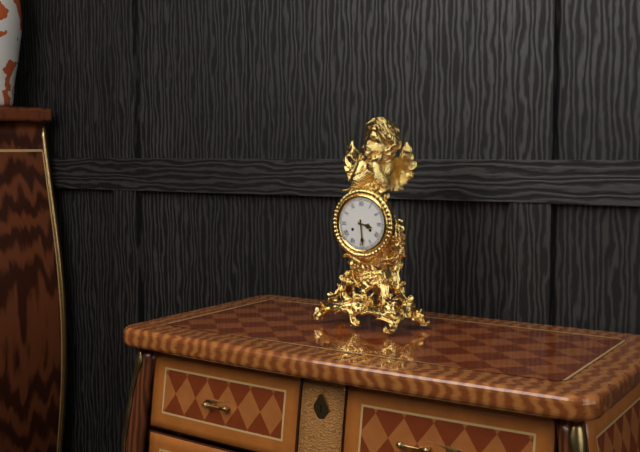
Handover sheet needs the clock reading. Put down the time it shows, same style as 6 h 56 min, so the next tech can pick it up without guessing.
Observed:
3 h 29 min
